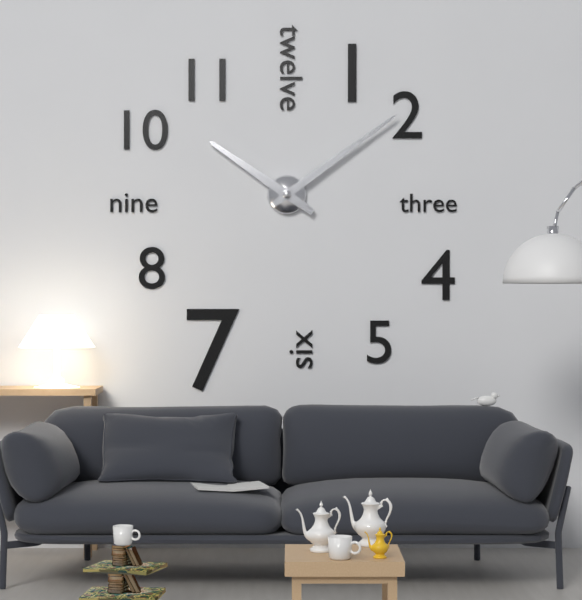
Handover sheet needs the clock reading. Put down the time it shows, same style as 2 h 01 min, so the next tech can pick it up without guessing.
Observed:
10 h 09 min
